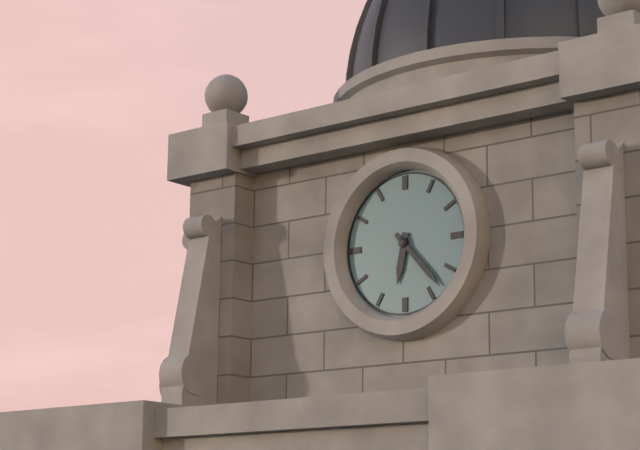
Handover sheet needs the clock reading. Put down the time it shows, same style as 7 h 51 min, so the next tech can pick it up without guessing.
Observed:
6 h 23 min
